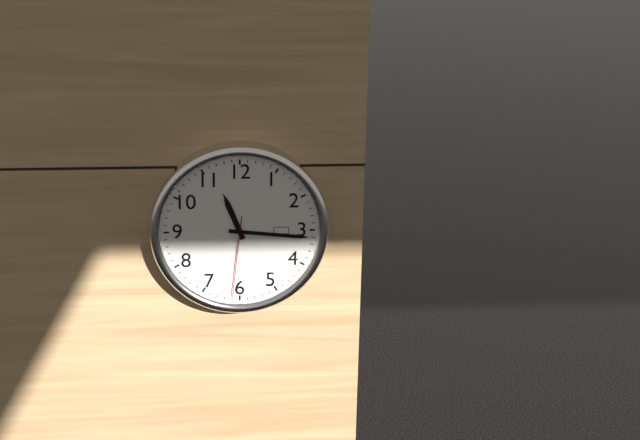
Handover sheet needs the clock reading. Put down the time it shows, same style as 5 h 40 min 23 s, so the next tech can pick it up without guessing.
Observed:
11 h 16 min 31 s
